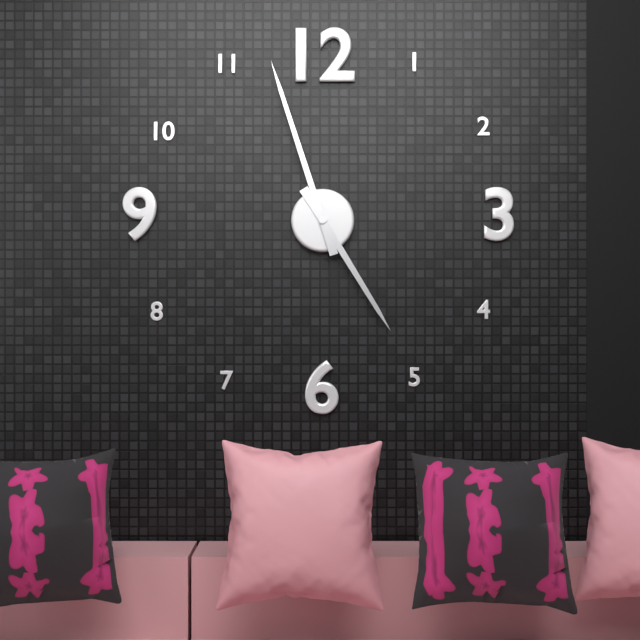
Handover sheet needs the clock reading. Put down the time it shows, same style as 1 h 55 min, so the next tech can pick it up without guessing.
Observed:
4 h 57 min
